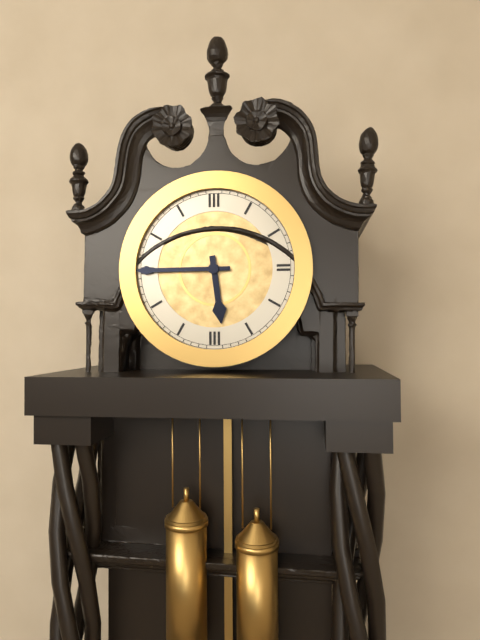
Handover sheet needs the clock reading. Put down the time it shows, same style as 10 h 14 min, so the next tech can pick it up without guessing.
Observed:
5 h 45 min
